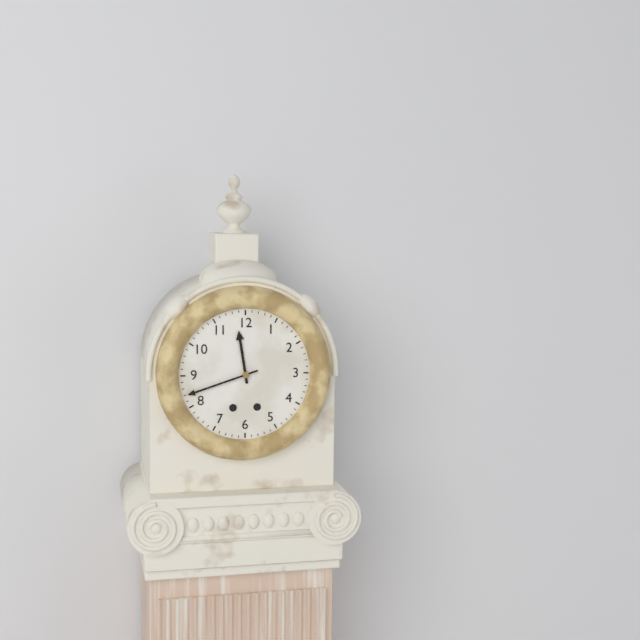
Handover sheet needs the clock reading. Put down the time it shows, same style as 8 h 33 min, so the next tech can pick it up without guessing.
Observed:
11 h 42 min
